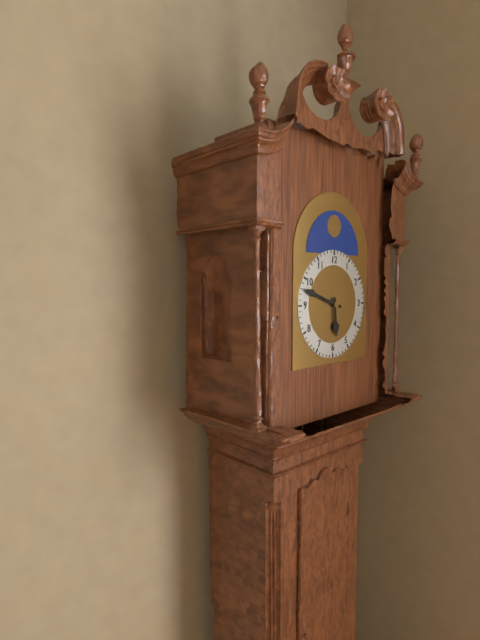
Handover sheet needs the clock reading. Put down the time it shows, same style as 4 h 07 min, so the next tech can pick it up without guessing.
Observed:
5 h 48 min
